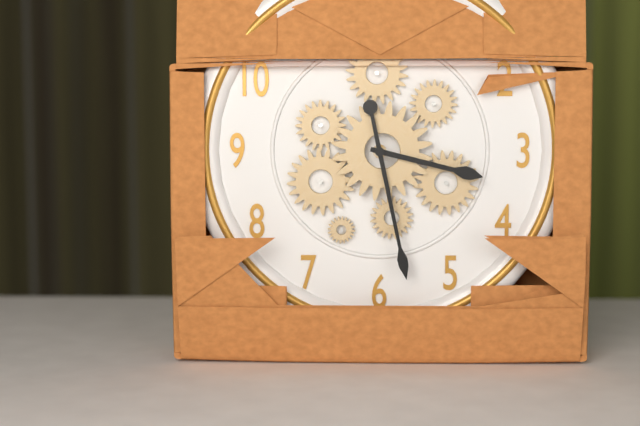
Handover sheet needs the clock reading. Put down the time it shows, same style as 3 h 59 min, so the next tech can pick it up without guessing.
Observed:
3 h 28 min
